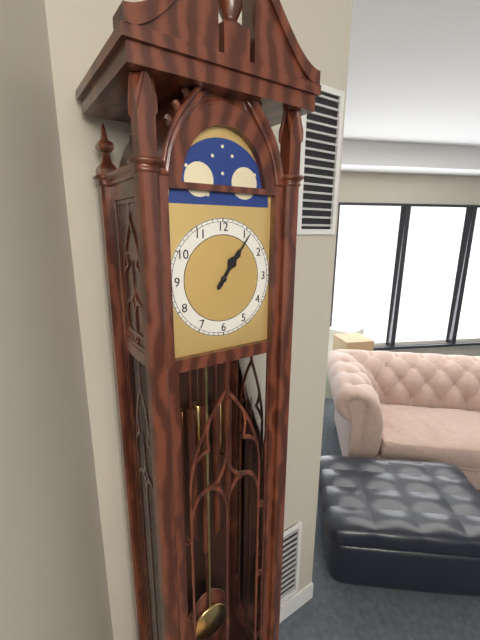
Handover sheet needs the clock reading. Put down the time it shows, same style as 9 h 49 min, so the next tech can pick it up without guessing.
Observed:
1 h 06 min
